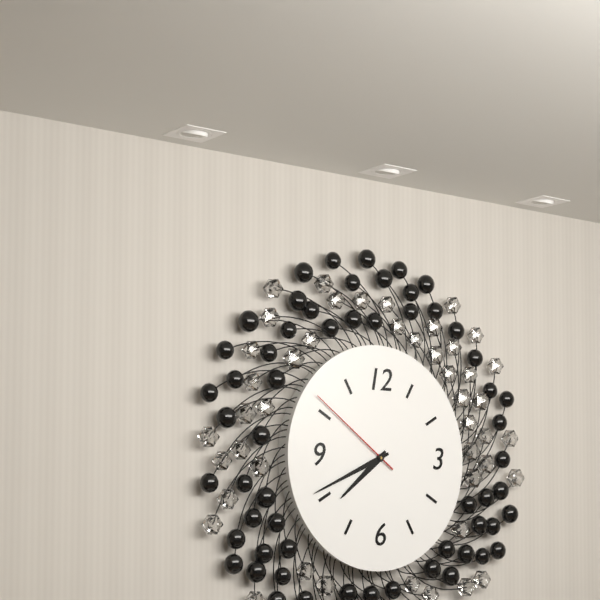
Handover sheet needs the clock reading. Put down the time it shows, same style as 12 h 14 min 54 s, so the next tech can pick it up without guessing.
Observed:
7 h 41 min 51 s
